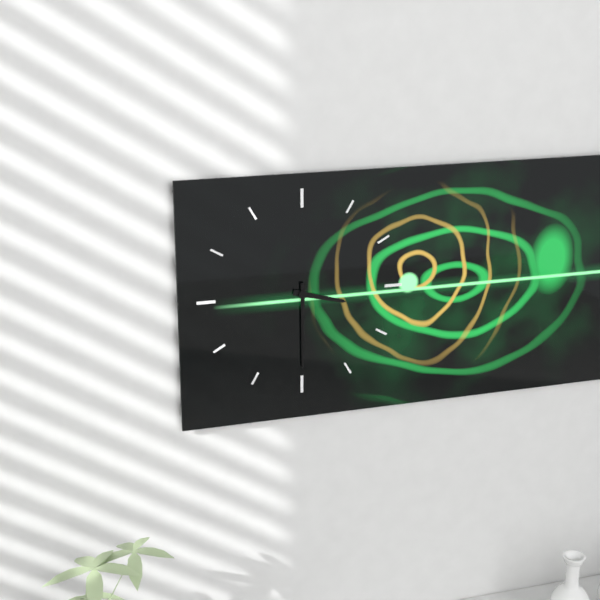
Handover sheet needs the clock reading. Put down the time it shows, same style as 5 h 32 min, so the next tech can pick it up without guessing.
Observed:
3 h 30 min
